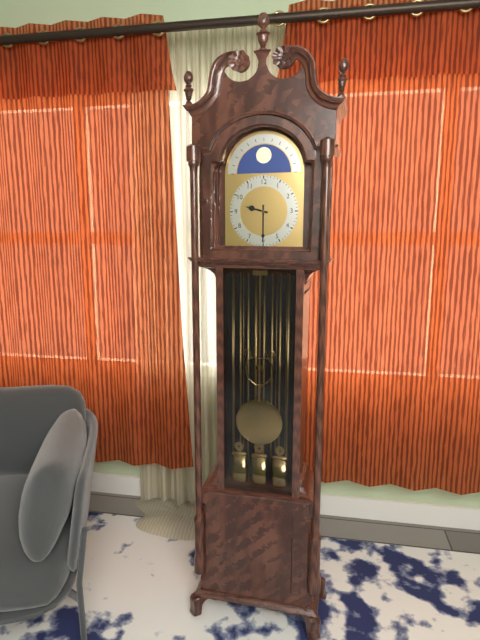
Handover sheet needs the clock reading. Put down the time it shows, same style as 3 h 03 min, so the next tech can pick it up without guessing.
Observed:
9 h 30 min
